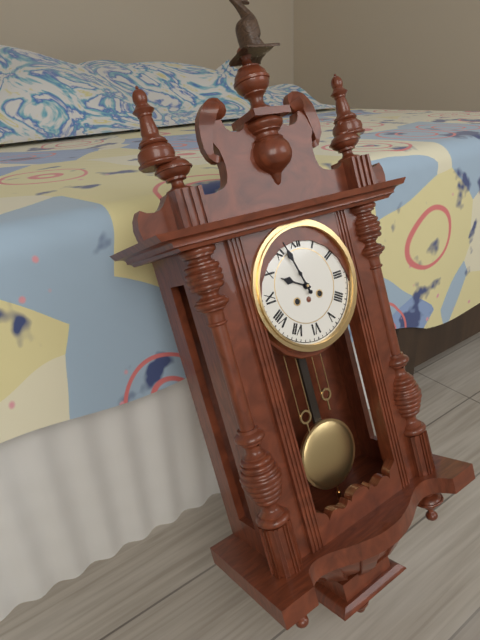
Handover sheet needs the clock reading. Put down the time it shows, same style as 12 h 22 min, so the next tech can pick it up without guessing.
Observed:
9 h 57 min
